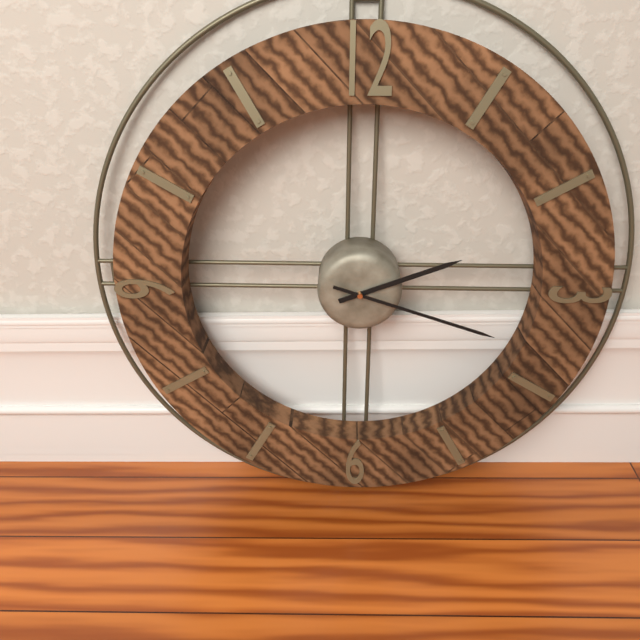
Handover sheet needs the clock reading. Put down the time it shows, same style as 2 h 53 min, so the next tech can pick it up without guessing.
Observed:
2 h 18 min
